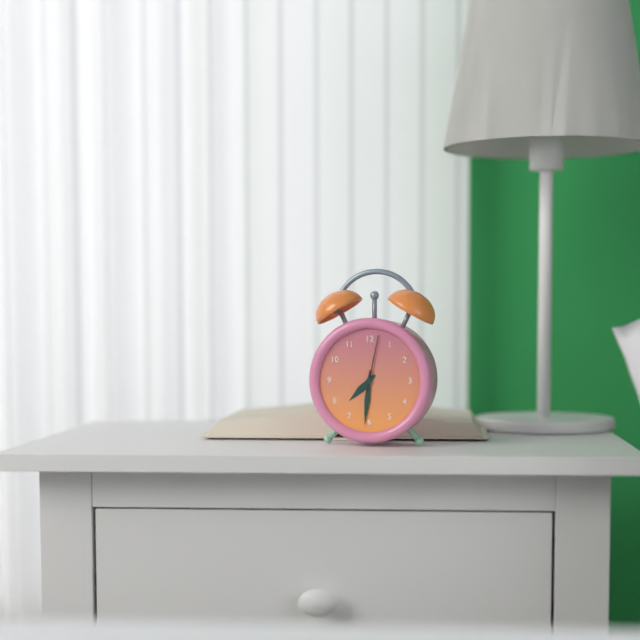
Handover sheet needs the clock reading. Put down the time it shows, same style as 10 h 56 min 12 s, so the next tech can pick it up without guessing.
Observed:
7 h 31 min 02 s
